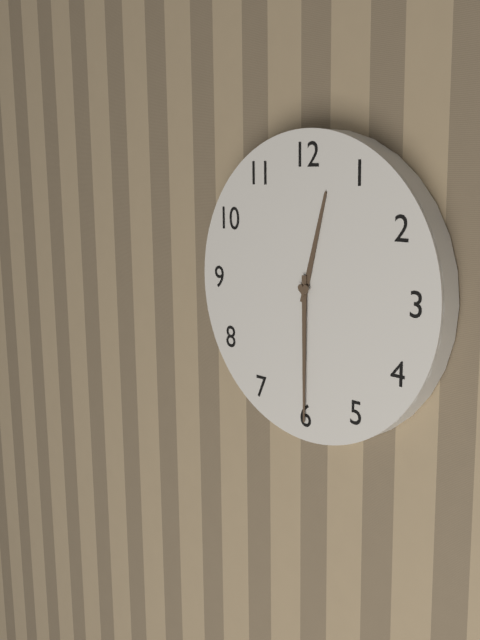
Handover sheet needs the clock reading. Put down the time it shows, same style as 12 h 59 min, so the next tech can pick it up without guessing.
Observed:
12 h 30 min
